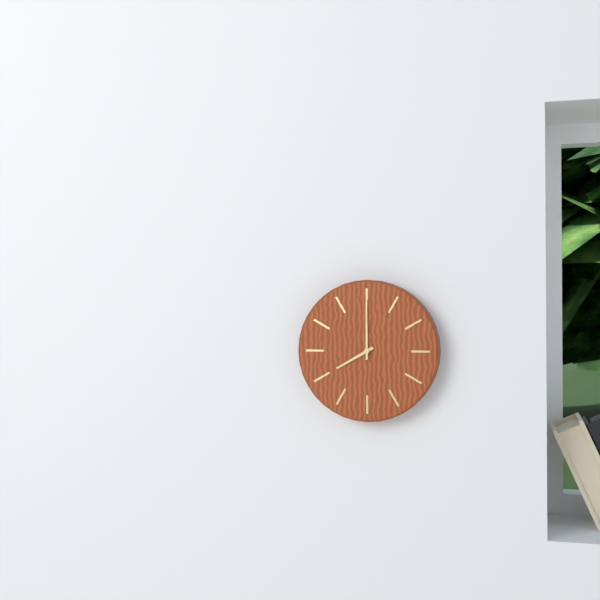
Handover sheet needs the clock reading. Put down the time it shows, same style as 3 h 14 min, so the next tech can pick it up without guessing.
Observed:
8 h 00 min
